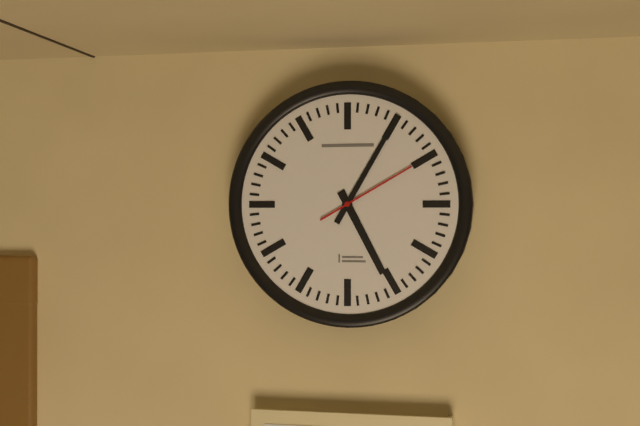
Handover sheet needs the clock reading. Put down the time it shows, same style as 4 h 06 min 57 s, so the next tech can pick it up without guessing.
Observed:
5 h 05 min 10 s
